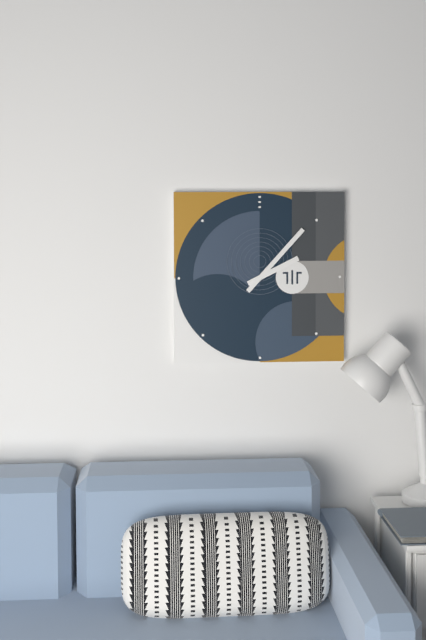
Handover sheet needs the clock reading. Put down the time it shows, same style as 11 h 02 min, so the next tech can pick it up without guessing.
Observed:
2 h 07 min
